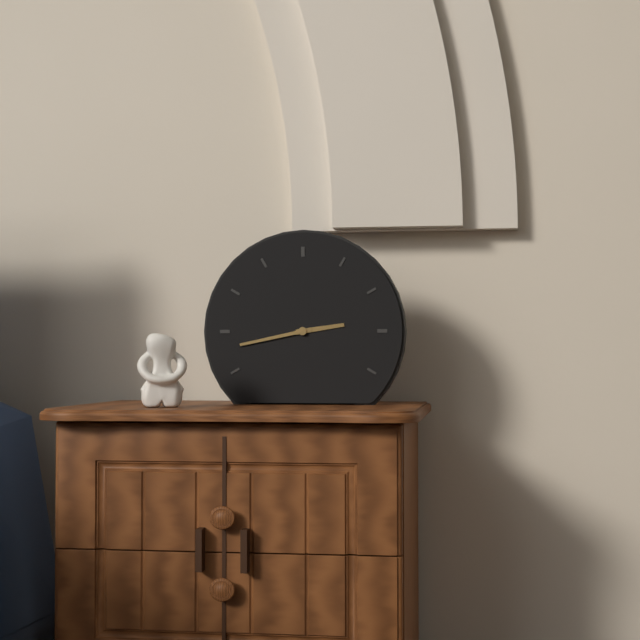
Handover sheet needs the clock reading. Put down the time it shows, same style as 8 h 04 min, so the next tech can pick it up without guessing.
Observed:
2 h 43 min
